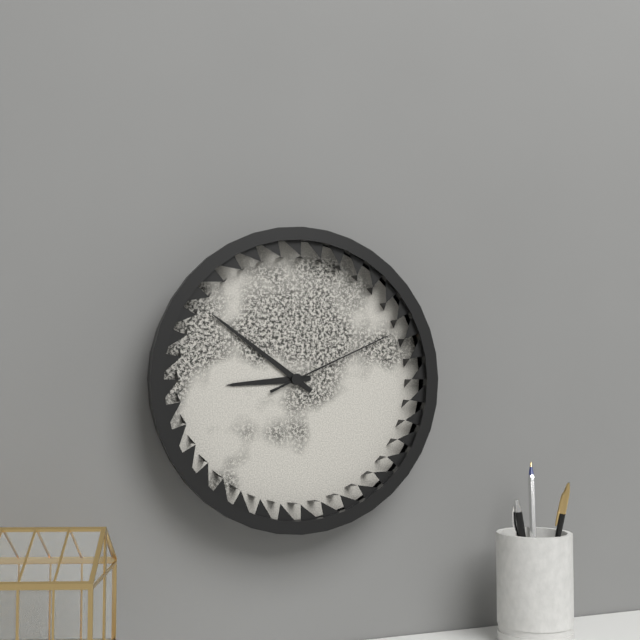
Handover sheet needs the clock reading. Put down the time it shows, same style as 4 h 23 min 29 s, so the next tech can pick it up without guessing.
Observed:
8 h 51 min 11 s
